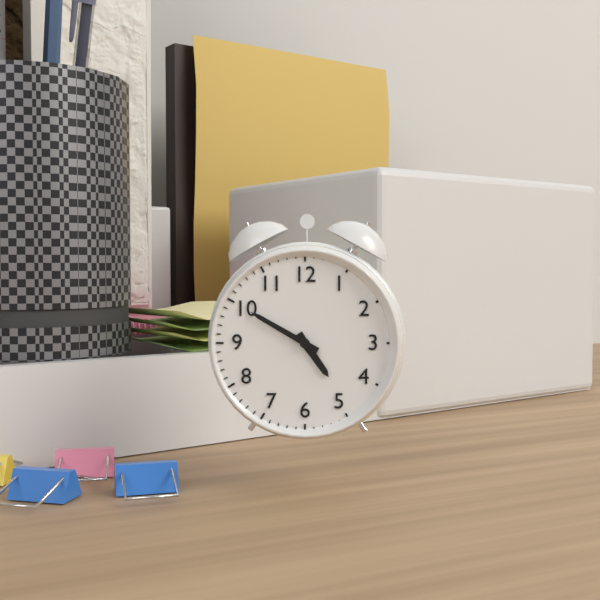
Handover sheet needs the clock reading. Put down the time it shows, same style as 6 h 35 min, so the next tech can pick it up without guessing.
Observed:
4 h 50 min
